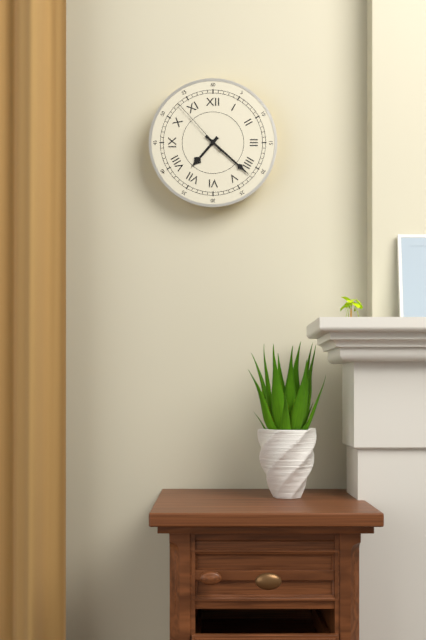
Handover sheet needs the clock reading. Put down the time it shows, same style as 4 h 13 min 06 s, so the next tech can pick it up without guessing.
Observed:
7 h 22 min 53 s
